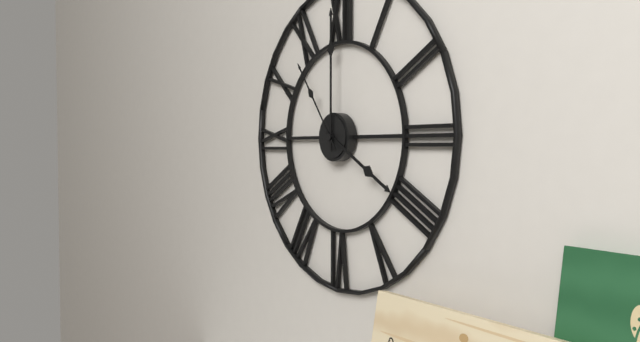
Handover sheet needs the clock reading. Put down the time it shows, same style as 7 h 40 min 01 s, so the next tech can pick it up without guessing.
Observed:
4 h 00 min 54 s
